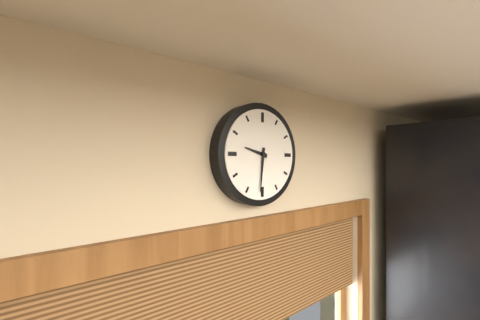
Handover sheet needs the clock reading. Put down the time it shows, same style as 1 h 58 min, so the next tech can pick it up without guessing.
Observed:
9 h 31 min
